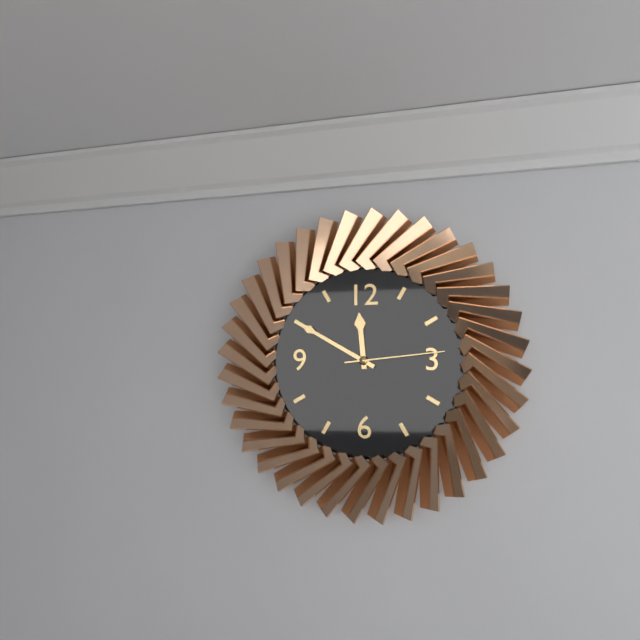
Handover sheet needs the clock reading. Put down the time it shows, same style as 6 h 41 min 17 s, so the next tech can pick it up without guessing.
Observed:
11 h 50 min 14 s
